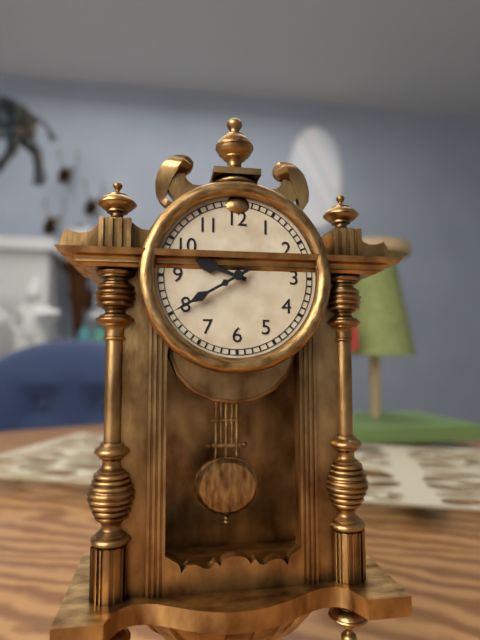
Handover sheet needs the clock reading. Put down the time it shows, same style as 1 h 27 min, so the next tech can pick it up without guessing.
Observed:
9 h 40 min
